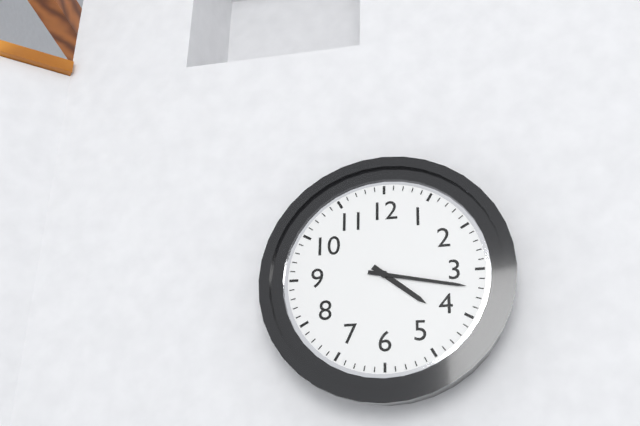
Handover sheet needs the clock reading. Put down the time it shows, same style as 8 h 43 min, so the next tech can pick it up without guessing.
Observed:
4 h 17 min
